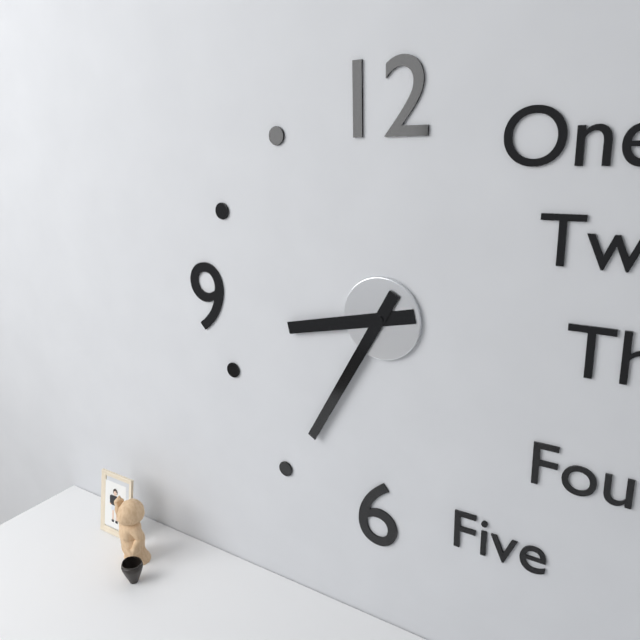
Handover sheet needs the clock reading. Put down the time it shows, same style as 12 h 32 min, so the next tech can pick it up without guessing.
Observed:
8 h 35 min
